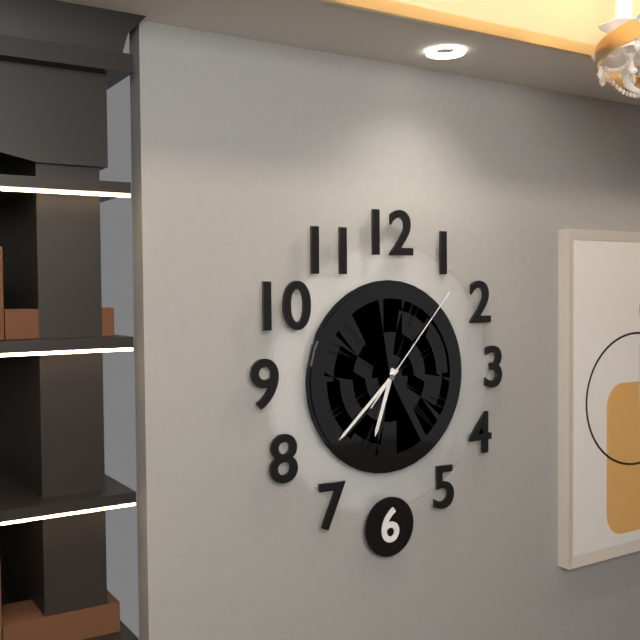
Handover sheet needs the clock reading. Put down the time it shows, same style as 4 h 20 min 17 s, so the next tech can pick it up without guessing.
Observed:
6 h 38 min 07 s
